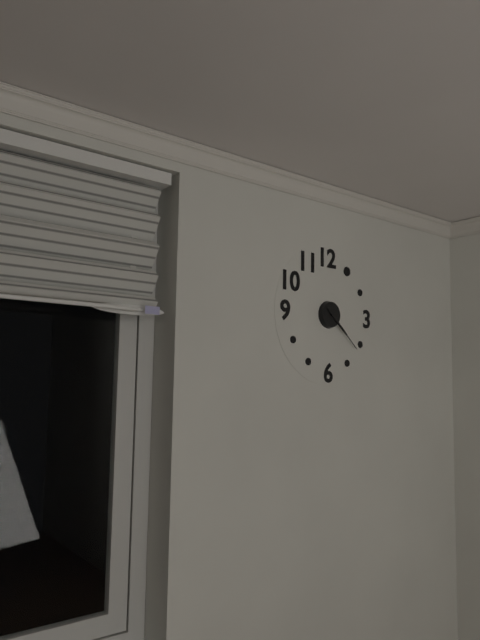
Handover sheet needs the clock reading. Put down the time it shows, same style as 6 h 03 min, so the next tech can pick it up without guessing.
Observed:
4 h 22 min
